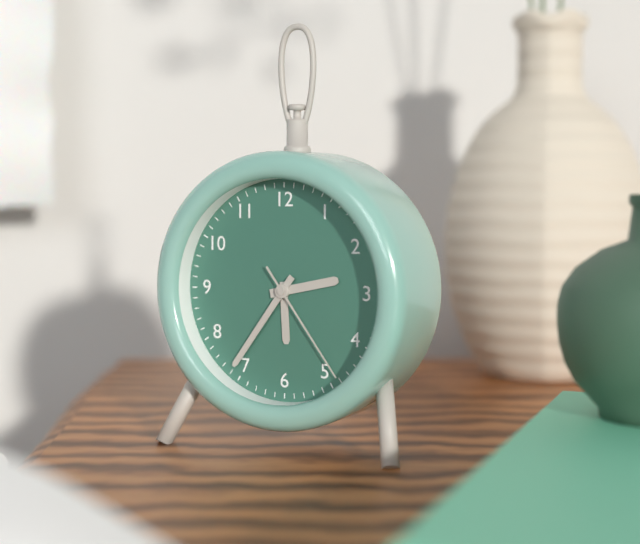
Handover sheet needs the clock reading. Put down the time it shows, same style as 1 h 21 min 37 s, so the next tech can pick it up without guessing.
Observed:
2 h 36 min 24 s
